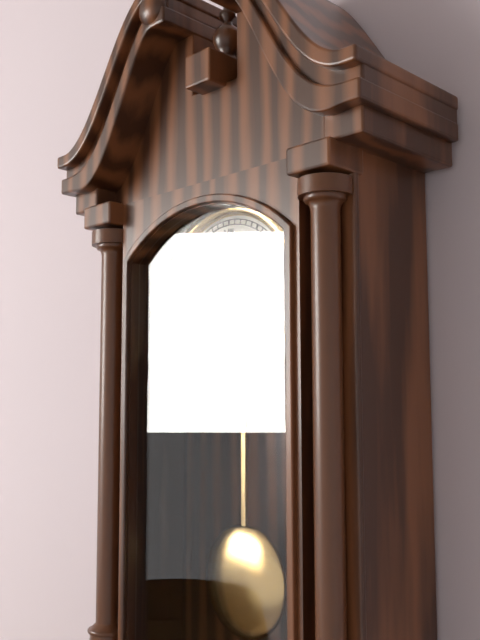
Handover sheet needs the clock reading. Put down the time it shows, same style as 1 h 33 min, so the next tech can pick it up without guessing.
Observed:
12 h 38 min
